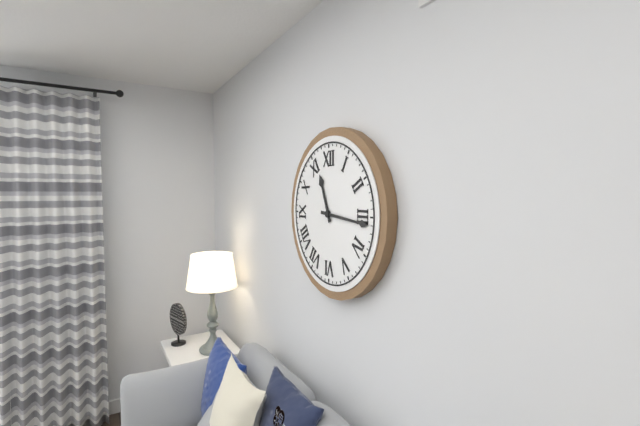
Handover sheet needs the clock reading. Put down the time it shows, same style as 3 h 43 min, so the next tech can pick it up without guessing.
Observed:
11 h 16 min
